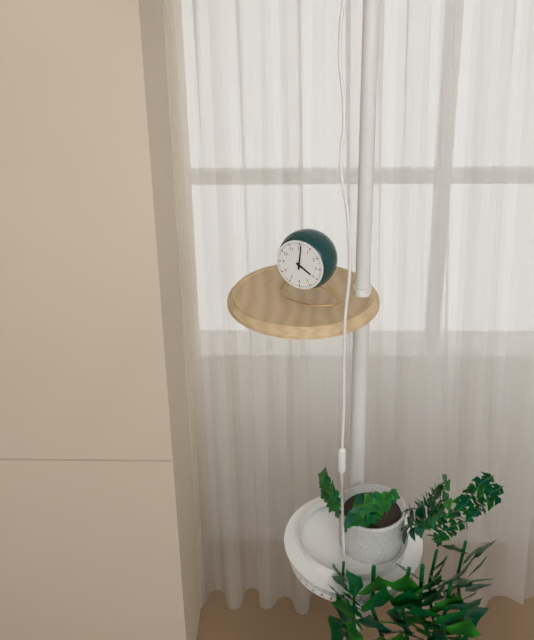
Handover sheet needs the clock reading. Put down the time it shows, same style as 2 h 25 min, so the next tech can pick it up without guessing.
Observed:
4 h 01 min
